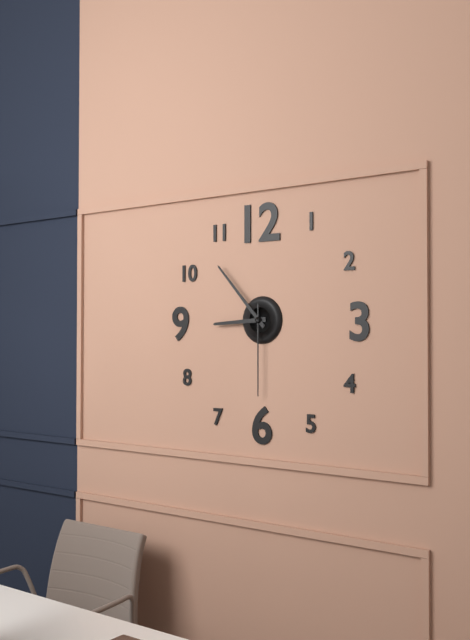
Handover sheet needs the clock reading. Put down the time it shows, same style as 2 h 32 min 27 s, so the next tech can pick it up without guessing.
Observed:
8 h 53 min 30 s
